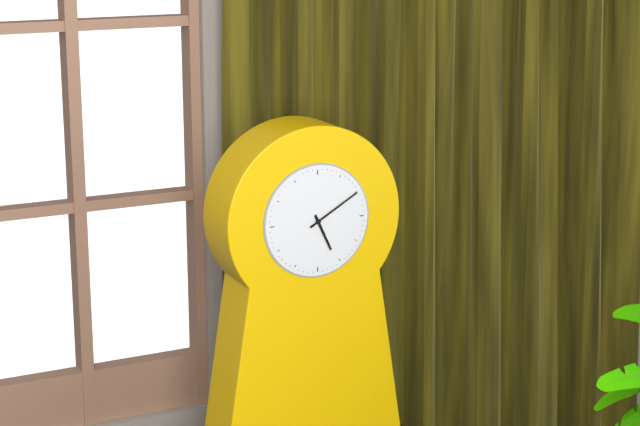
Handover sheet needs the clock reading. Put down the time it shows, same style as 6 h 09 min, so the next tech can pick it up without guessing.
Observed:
5 h 10 min
